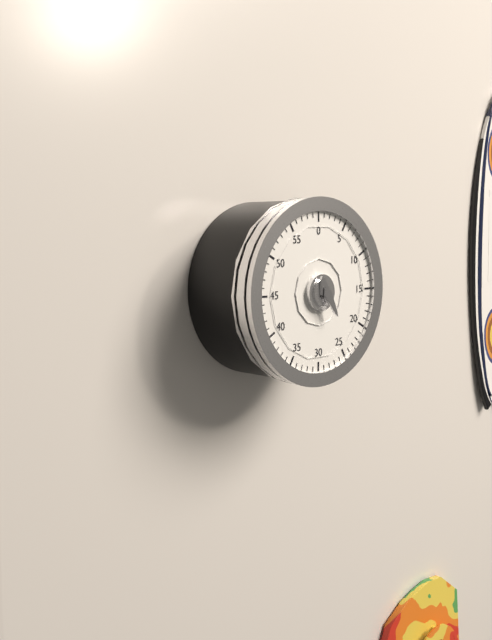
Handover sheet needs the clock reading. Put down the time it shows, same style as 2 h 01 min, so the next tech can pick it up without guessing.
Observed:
11 h 25 min
